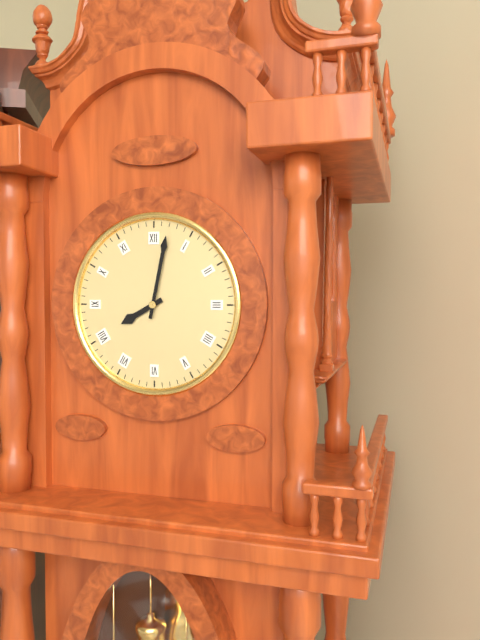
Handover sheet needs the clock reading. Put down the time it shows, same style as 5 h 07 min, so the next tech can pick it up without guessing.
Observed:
8 h 02 min
